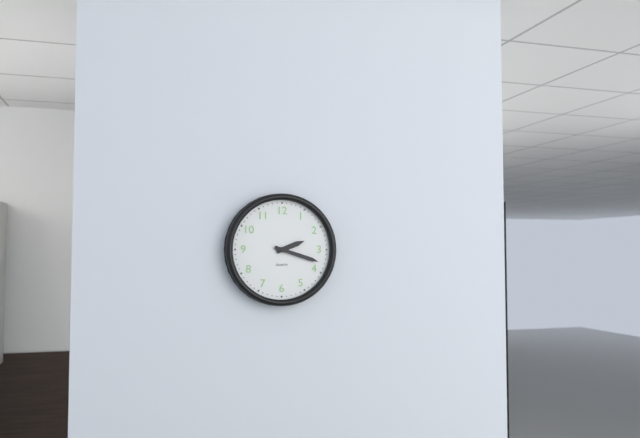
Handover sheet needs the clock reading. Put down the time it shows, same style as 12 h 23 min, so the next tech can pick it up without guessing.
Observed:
2 h 18 min
